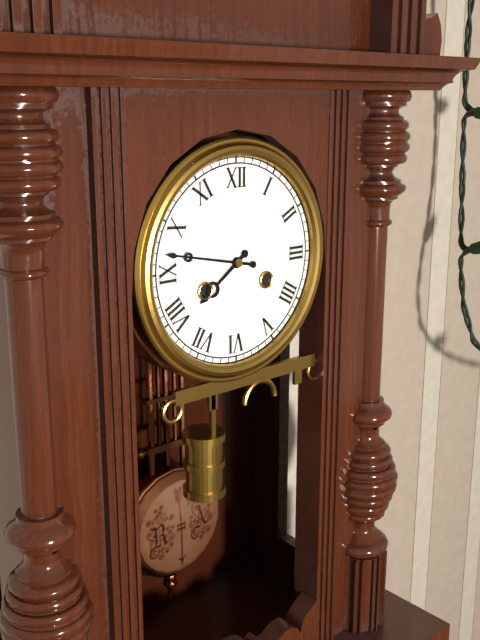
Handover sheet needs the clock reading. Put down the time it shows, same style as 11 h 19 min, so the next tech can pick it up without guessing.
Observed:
7 h 47 min
